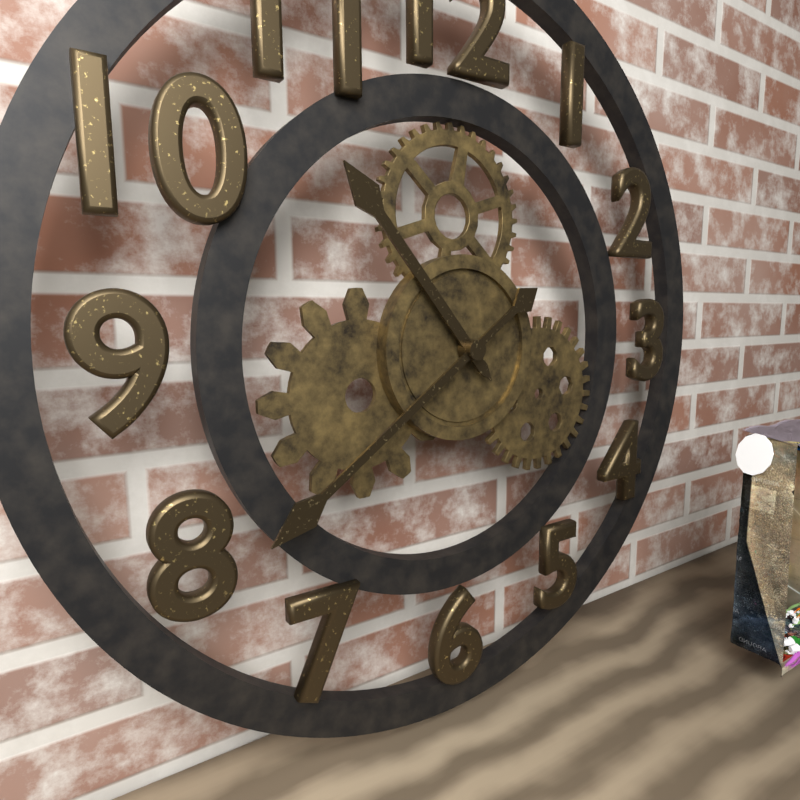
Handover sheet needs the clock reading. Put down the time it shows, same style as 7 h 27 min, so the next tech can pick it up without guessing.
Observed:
10 h 39 min
